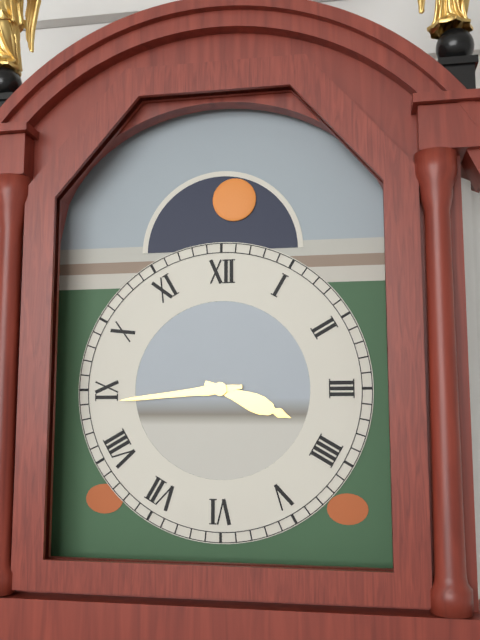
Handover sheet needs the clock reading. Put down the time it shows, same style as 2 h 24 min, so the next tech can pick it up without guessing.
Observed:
3 h 44 min
